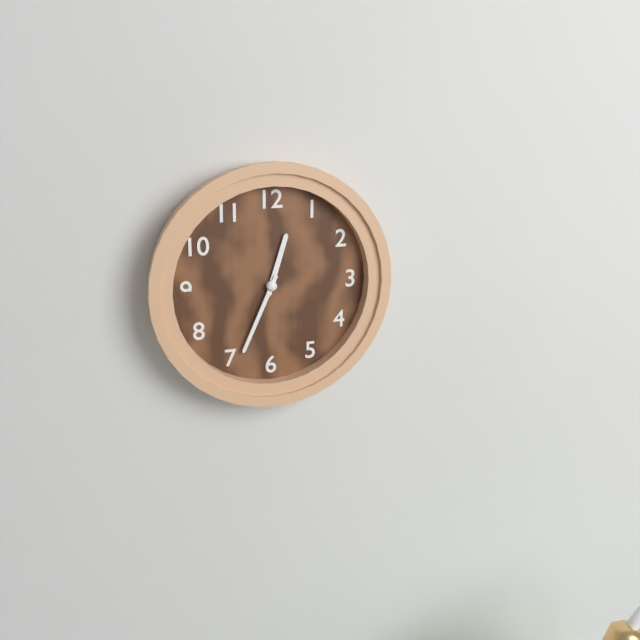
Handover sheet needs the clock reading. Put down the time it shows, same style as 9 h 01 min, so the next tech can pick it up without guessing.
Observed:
12 h 34 min
